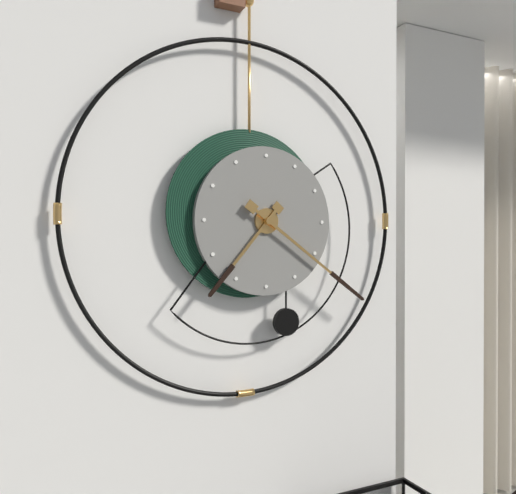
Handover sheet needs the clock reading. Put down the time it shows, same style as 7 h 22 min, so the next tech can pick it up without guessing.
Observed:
7 h 21 min
